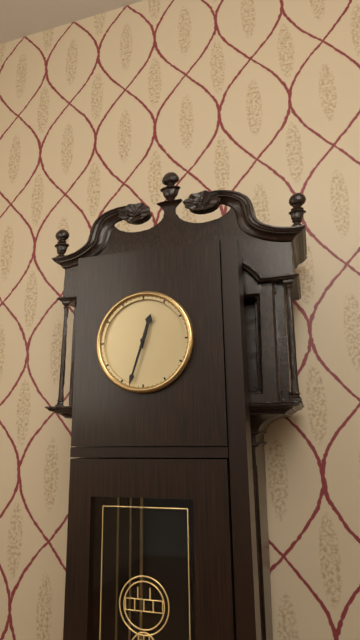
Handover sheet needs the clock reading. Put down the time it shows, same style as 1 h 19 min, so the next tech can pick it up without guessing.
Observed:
12 h 33 min
